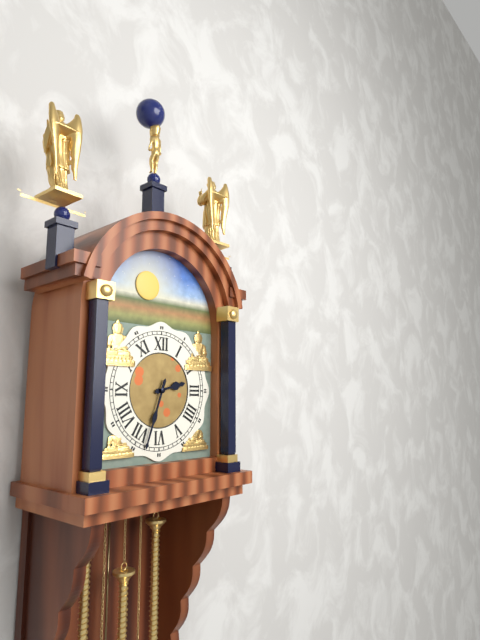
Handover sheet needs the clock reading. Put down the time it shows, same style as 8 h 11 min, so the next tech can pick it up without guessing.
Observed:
2 h 33 min
